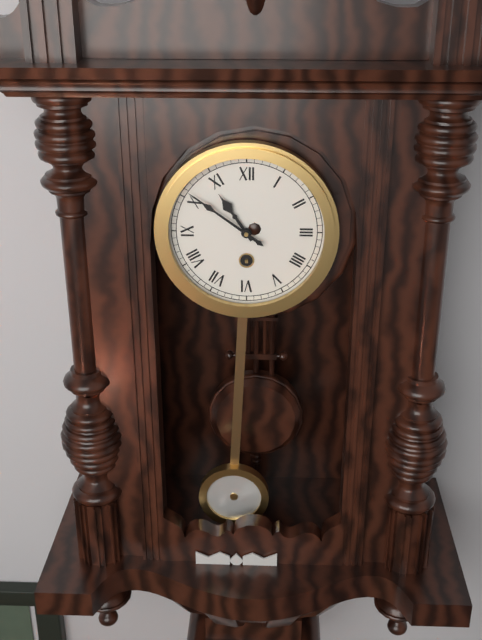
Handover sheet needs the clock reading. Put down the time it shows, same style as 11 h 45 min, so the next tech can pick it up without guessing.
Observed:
10 h 51 min
